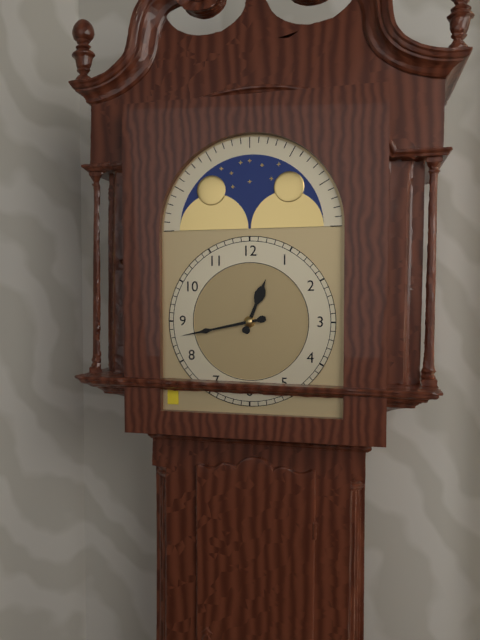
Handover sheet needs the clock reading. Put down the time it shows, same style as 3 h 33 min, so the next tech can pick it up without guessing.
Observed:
12 h 43 min
